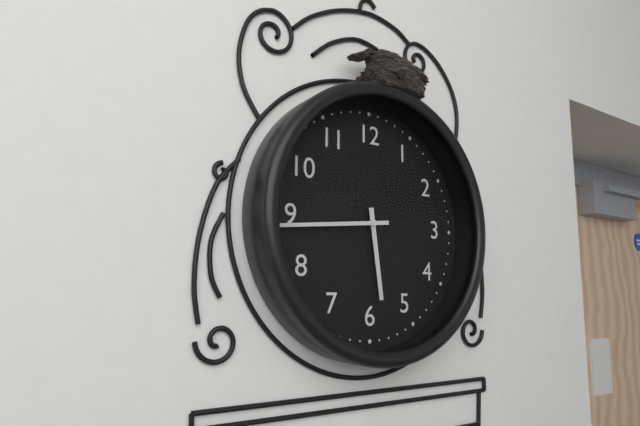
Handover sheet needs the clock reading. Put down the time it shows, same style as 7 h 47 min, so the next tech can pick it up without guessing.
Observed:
5 h 44 min
